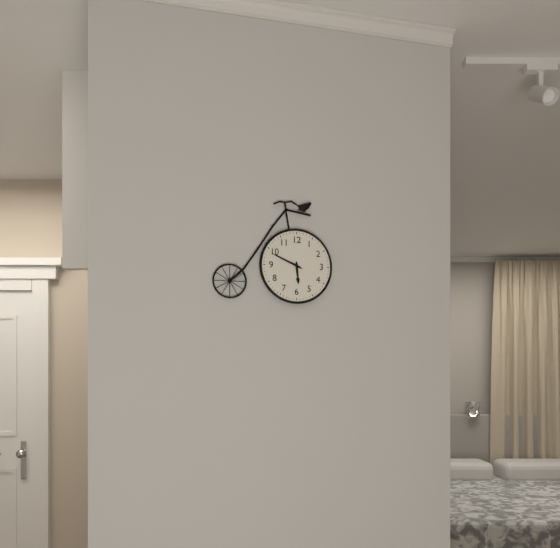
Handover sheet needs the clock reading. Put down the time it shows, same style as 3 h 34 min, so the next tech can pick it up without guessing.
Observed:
5 h 49 min
